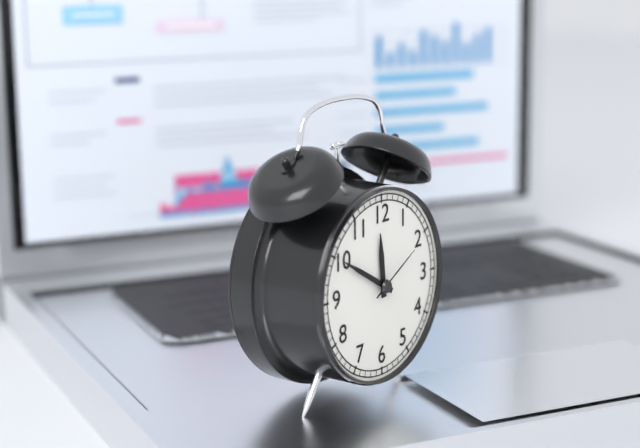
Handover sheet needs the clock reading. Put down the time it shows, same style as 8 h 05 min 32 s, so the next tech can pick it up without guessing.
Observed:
11 h 50 min 10 s
